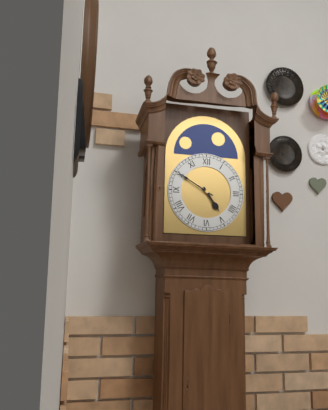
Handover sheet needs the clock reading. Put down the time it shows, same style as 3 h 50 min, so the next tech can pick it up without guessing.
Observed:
4 h 50 min
